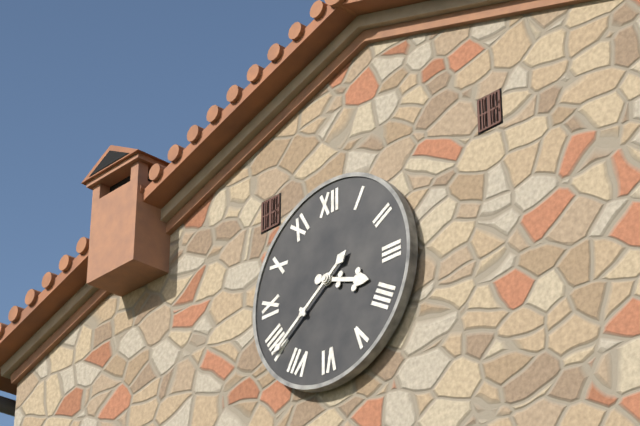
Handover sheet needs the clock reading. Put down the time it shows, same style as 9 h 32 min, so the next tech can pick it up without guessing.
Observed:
3 h 39 min
